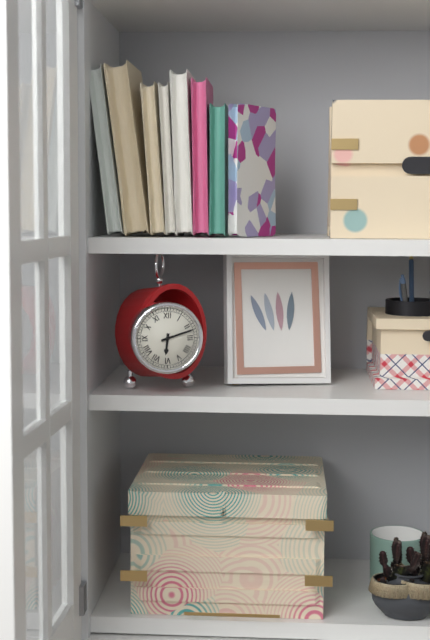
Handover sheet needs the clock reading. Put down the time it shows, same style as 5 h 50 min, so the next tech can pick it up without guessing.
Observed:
6 h 12 min
